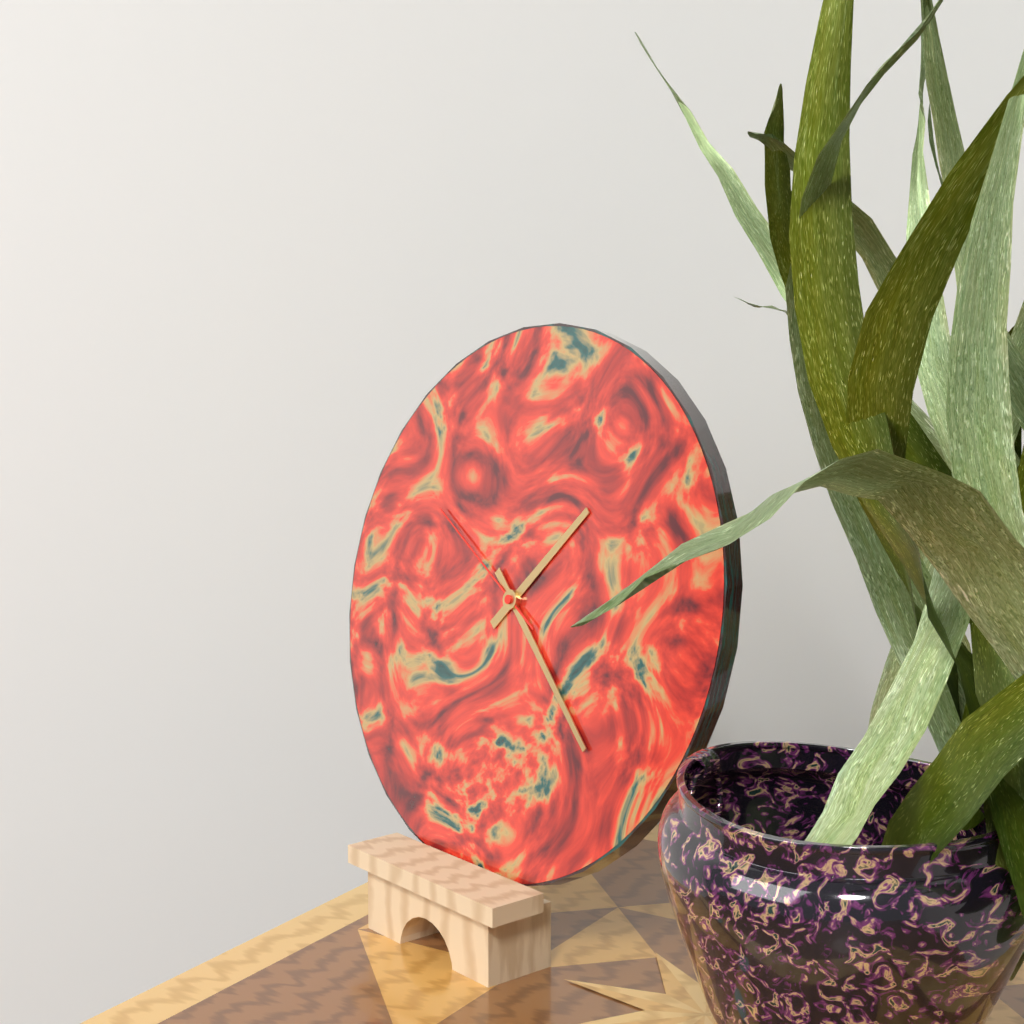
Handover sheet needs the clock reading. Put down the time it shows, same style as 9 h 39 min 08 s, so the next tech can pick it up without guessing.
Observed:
1 h 22 min 50 s
